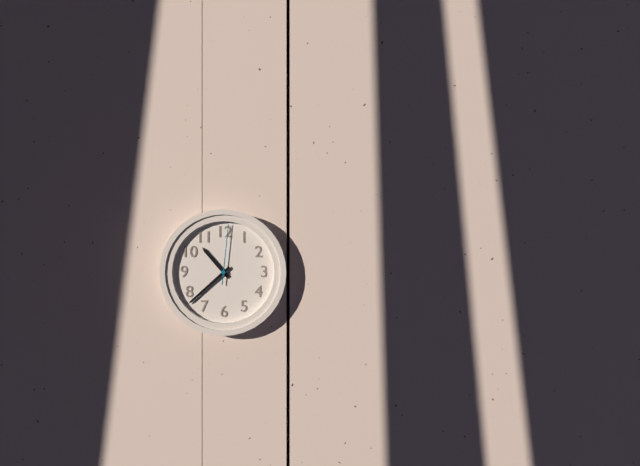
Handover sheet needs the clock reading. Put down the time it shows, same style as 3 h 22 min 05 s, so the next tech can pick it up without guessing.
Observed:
10 h 38 min 01 s
